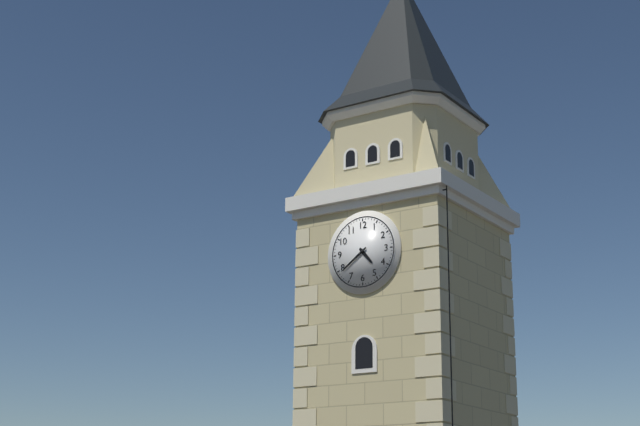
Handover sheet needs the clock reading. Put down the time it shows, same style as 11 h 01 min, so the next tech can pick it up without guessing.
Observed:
4 h 39 min
